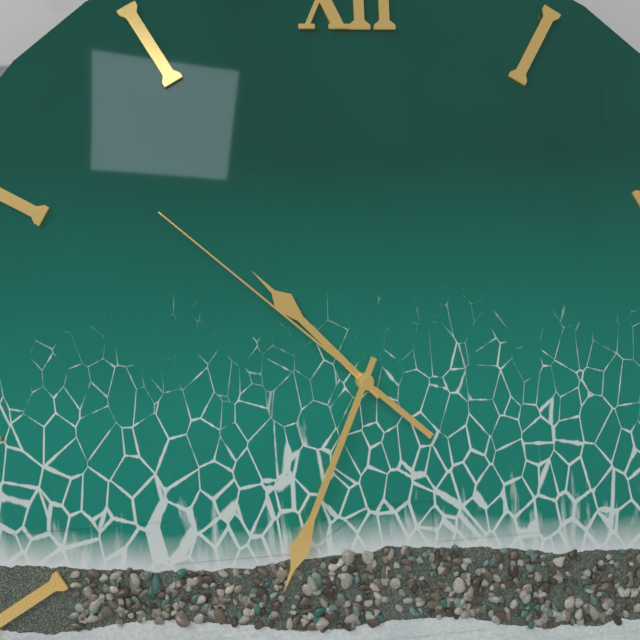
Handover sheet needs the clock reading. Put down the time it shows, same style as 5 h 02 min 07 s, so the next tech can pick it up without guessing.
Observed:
10 h 34 min 52 s
